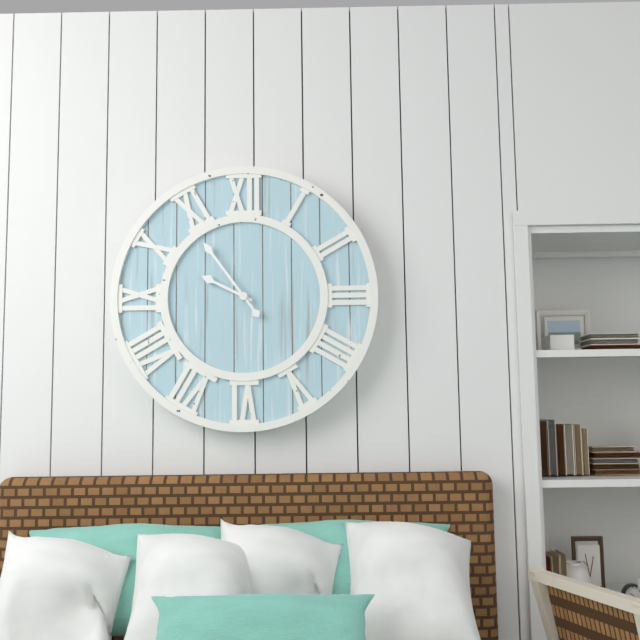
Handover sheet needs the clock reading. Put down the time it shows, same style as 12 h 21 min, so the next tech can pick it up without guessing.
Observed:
9 h 54 min
